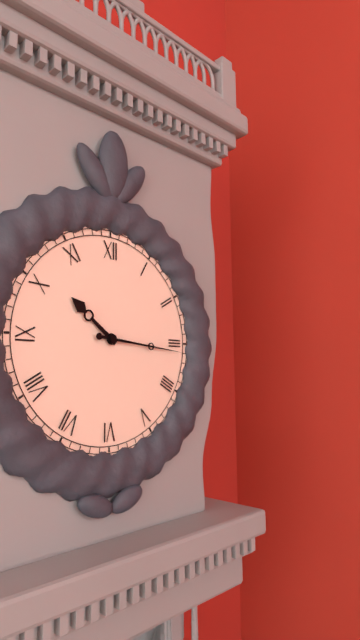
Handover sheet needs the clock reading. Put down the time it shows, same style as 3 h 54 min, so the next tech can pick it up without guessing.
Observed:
10 h 16 min
